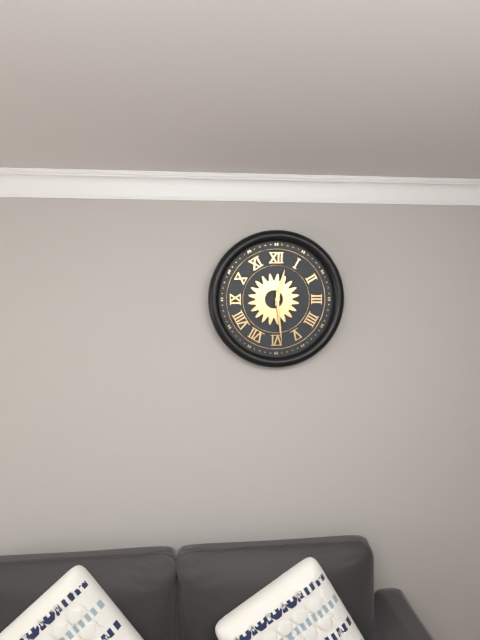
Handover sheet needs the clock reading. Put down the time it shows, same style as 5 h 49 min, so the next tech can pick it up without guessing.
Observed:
12 h 29 min
